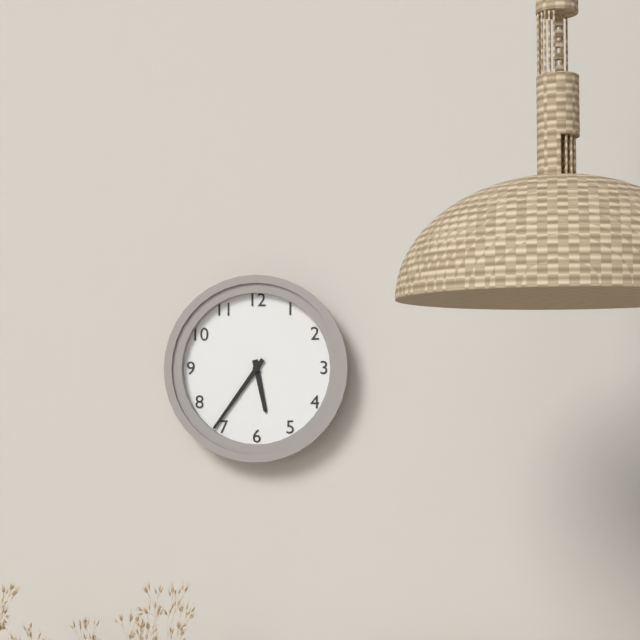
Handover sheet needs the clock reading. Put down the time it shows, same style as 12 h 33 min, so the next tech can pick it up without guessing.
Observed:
5 h 36 min
